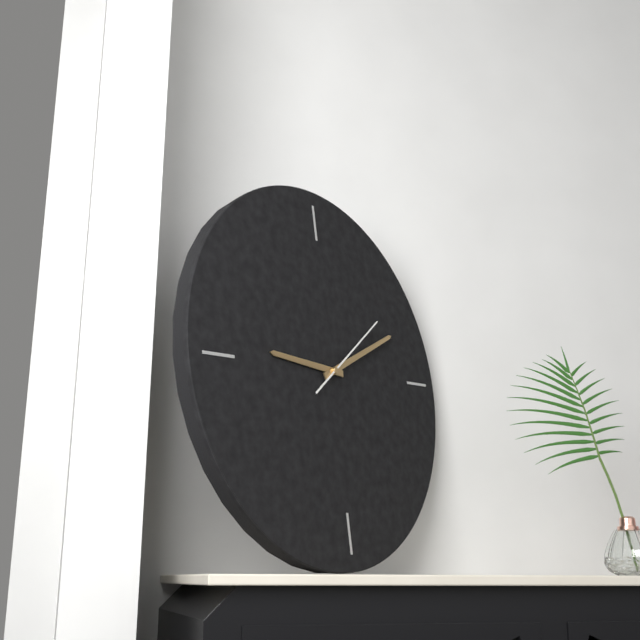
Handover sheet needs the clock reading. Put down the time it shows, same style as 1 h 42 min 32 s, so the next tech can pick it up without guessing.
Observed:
9 h 11 min 09 s
